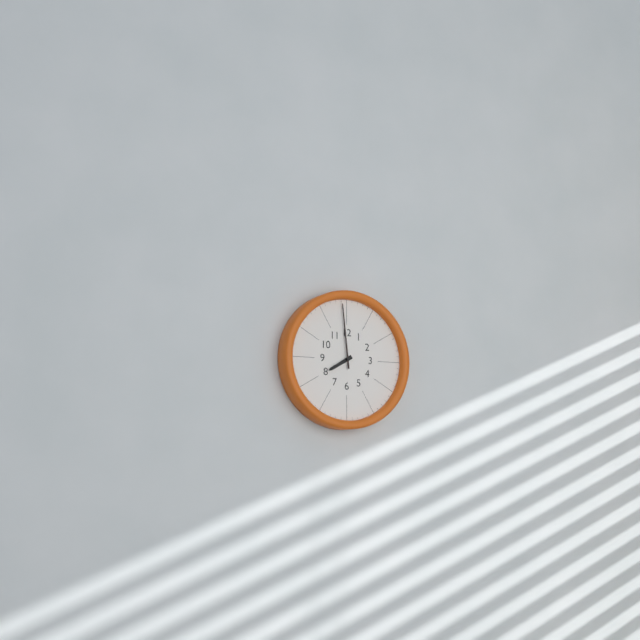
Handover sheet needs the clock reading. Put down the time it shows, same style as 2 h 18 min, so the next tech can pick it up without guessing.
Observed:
7 h 59 min
